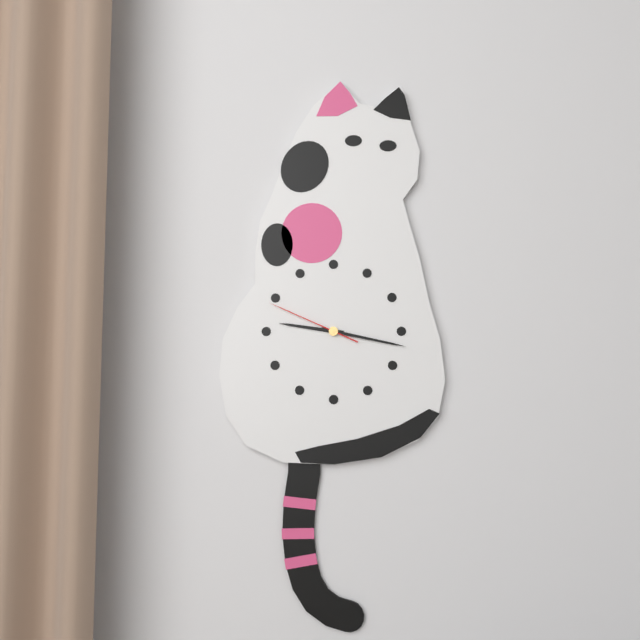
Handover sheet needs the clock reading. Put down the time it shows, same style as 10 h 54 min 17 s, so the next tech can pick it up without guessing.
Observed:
9 h 17 min 49 s
